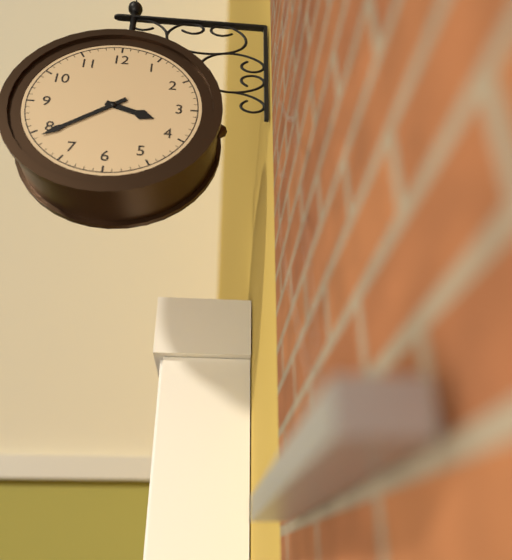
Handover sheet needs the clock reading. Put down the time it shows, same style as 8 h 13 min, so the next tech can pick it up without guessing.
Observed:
3 h 39 min
